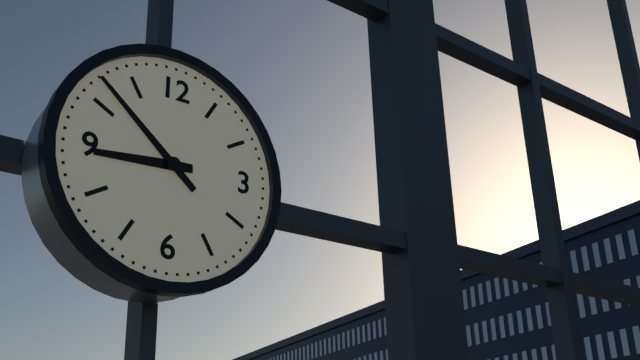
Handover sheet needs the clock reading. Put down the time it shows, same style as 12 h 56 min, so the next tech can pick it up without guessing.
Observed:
8 h 52 min
